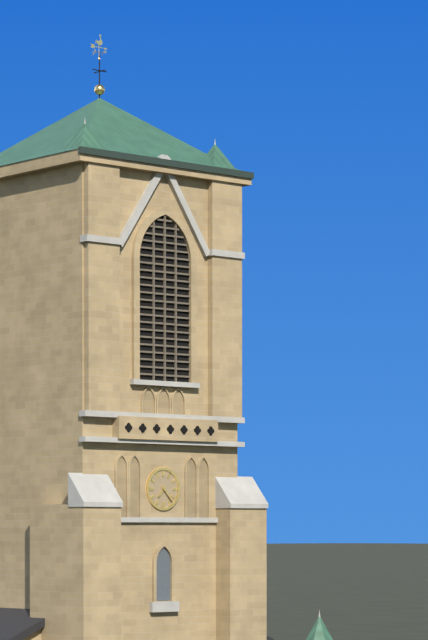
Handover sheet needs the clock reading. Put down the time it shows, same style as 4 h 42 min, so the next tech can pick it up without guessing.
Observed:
7 h 23 min
